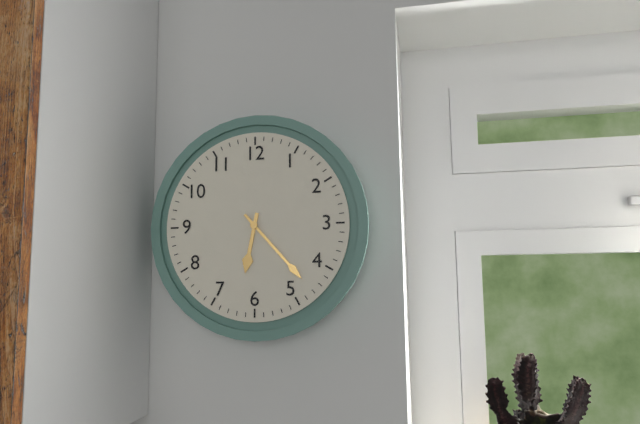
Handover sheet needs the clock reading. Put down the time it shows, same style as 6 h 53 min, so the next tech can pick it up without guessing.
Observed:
6 h 23 min
